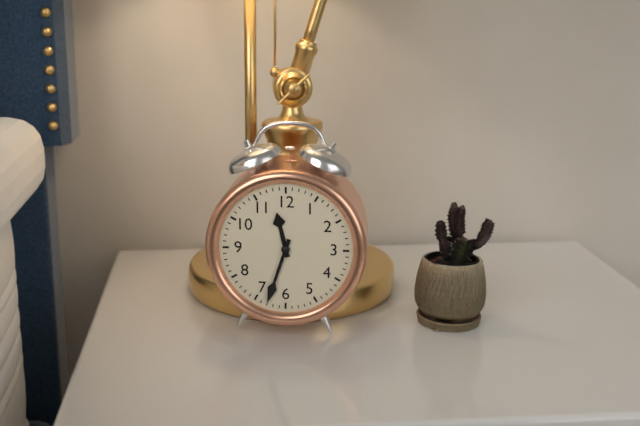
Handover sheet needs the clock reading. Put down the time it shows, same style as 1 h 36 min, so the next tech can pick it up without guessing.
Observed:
11 h 33 min
